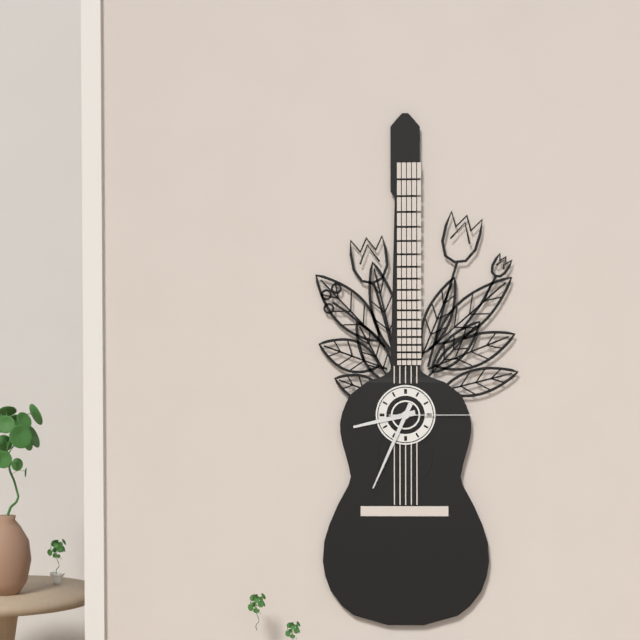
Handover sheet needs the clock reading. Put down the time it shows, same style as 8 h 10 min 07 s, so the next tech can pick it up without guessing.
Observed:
8 h 34 min 15 s
